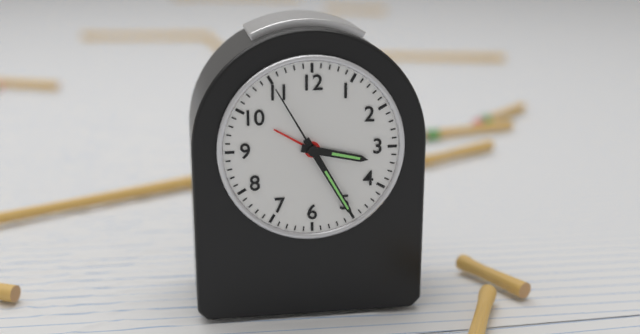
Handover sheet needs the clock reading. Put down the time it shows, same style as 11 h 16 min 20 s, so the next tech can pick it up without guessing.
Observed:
3 h 25 min 55 s
